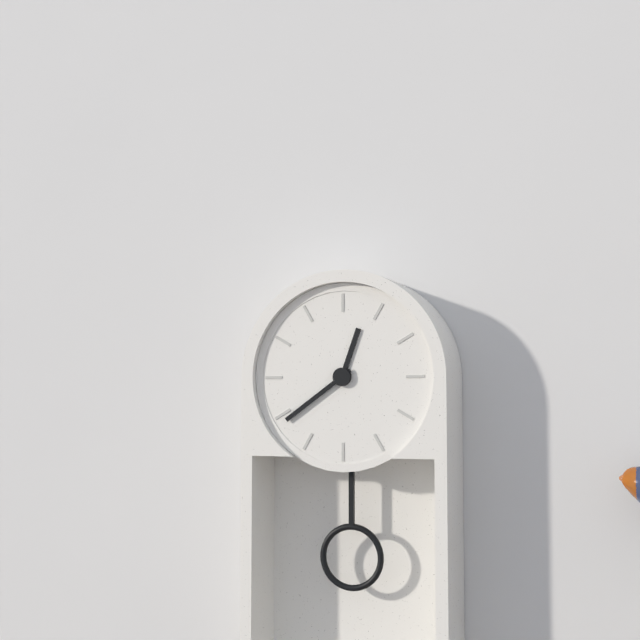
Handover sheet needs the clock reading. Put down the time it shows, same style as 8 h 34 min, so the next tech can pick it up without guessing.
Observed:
12 h 39 min
